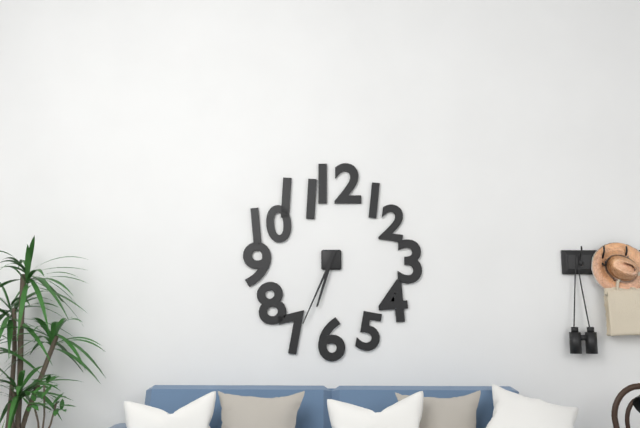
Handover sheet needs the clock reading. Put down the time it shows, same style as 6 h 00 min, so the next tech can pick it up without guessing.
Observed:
6 h 34 min
